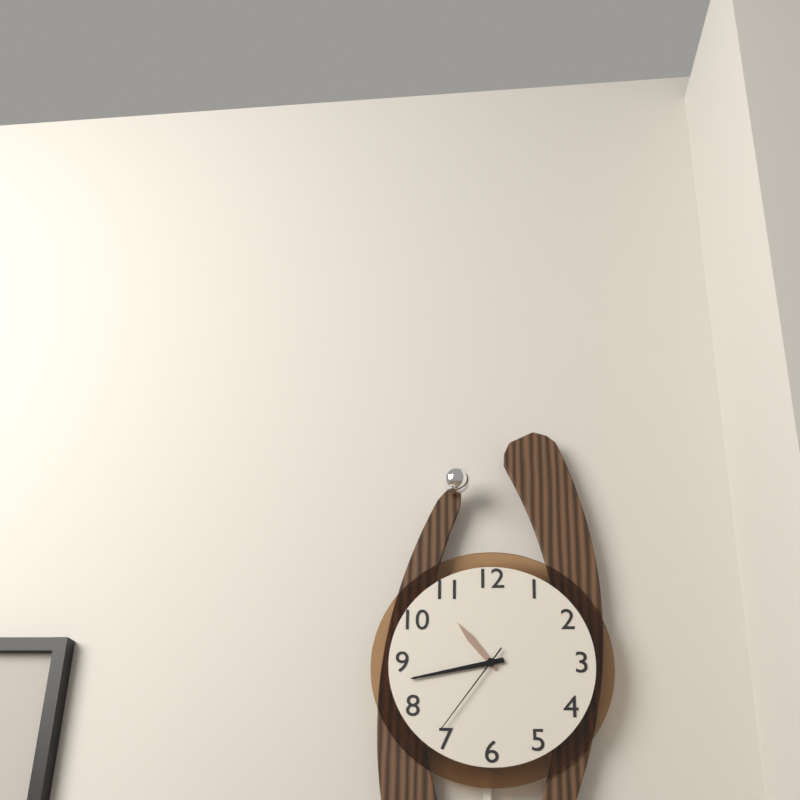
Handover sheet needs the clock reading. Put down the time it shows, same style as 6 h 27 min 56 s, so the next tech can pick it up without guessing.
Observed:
10 h 43 min 36 s
